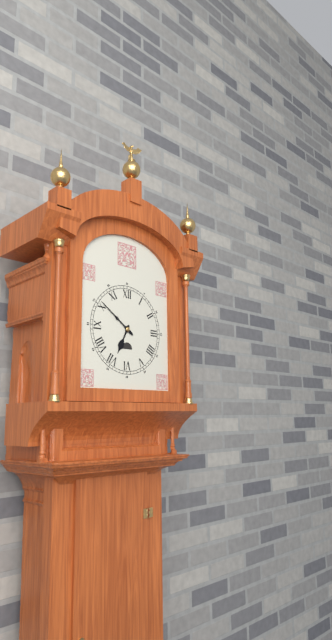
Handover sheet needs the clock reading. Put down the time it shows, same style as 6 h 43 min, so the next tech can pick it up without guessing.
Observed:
6 h 51 min
